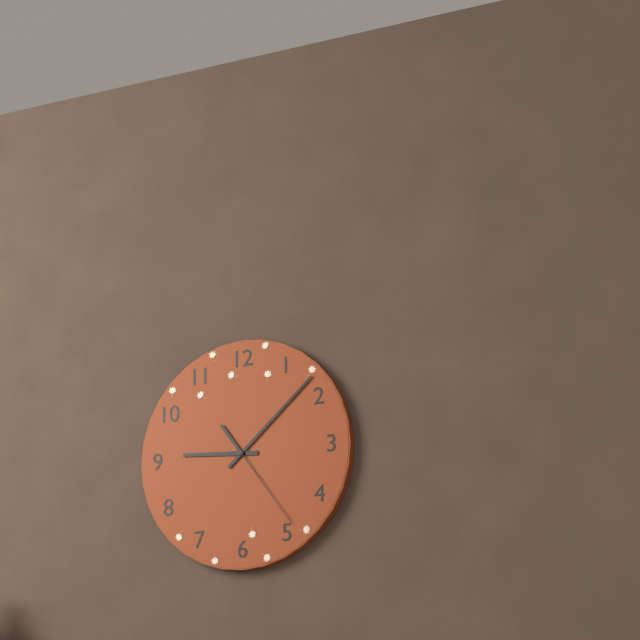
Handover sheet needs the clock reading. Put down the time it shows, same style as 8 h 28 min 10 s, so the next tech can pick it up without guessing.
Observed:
9 h 08 min 24 s
